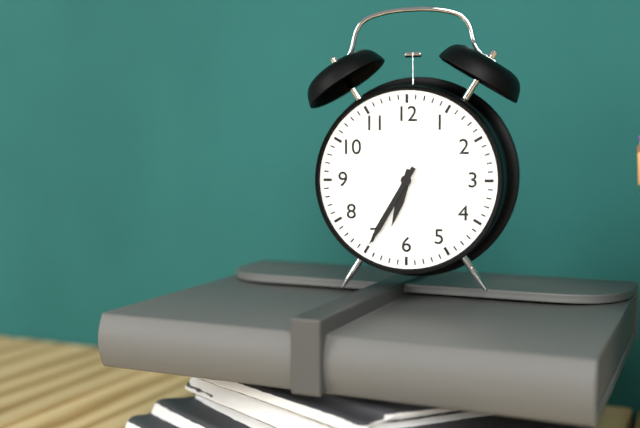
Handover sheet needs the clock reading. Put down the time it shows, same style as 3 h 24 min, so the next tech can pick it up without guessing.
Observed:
6 h 35 min
